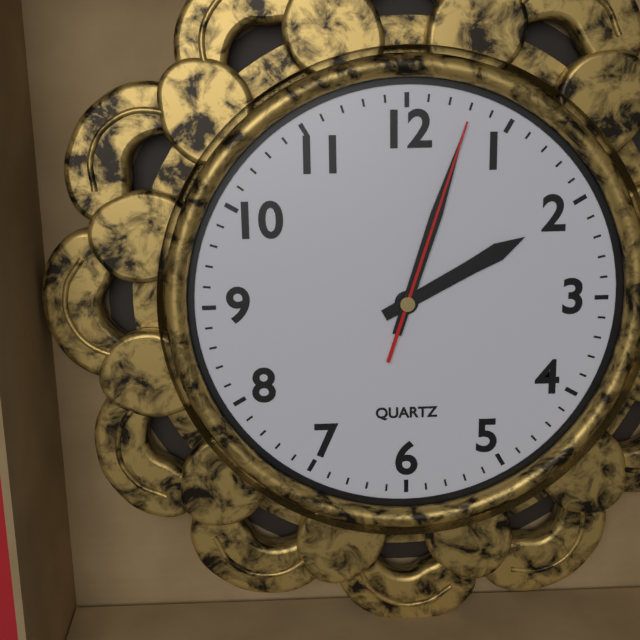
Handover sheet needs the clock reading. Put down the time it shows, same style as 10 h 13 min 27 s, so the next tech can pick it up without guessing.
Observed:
2 h 03 min 03 s
